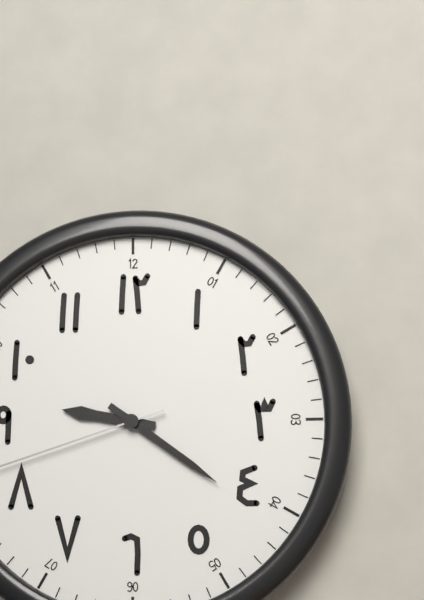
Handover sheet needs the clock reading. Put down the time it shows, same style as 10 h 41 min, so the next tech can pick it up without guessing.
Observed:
9 h 21 min
